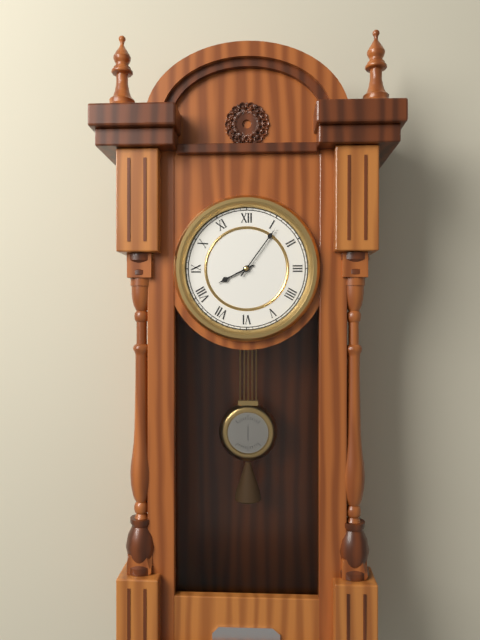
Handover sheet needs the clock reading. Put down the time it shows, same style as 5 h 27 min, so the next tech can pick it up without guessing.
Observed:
8 h 06 min
